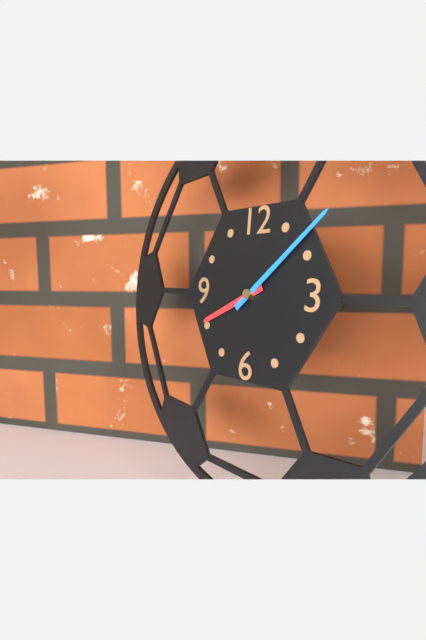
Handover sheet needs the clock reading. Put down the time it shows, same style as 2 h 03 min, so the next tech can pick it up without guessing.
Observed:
8 h 08 min
